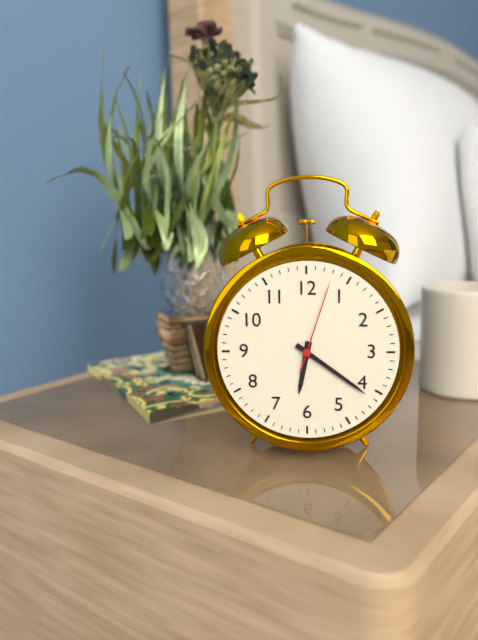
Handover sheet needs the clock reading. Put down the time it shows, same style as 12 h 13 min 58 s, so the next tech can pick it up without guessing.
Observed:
6 h 21 min 03 s
